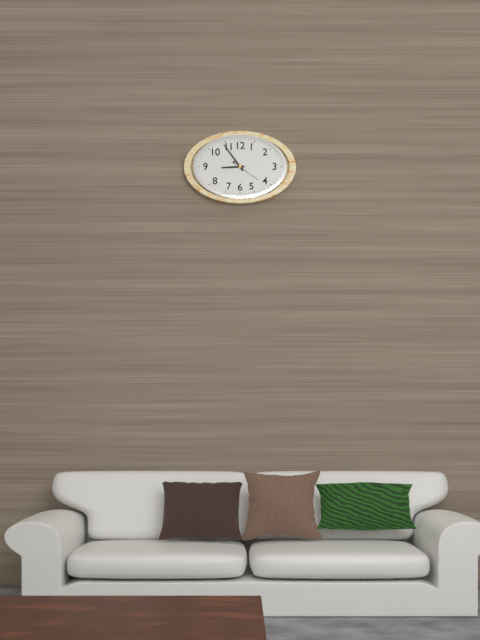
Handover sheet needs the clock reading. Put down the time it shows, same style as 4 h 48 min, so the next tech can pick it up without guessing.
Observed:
8 h 54 min
